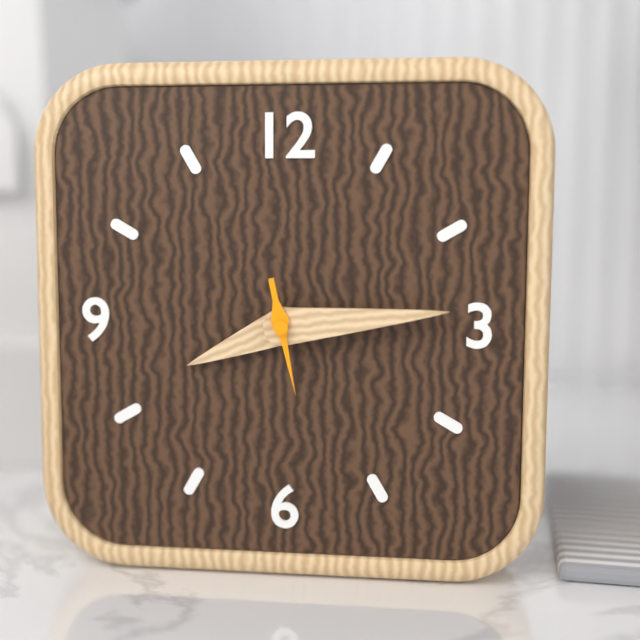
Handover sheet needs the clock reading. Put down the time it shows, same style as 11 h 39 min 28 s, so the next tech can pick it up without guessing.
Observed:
8 h 14 min 28 s
